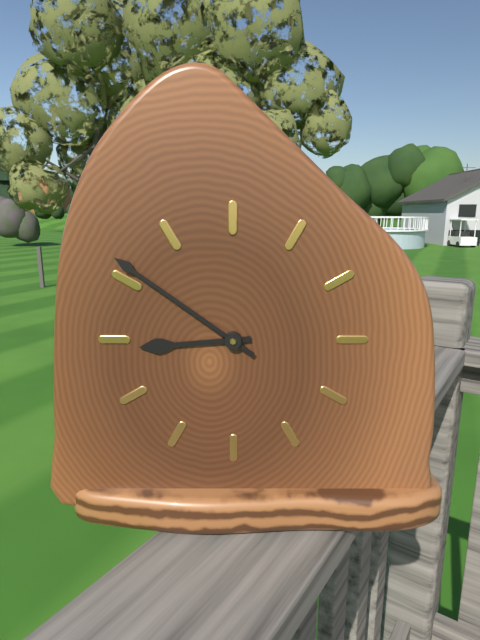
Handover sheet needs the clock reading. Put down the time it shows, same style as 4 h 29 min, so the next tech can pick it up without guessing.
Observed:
8 h 51 min
